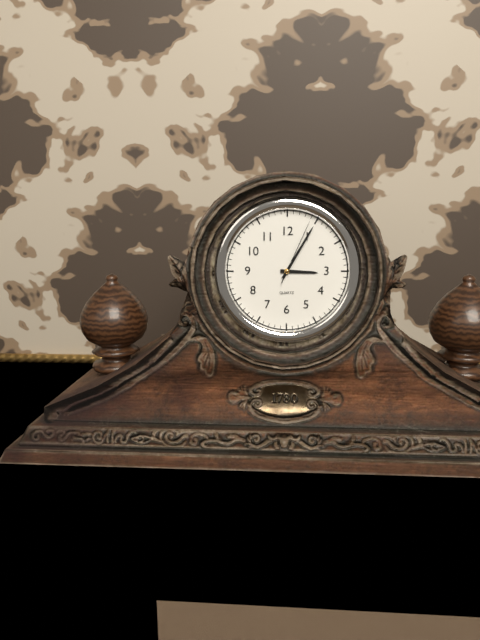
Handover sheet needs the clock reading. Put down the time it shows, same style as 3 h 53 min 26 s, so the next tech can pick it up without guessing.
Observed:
3 h 05 min 04 s
